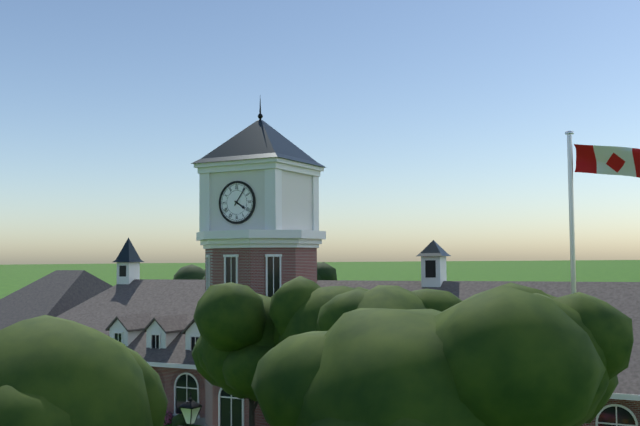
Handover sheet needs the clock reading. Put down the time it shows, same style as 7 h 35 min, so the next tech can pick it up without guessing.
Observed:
4 h 06 min
